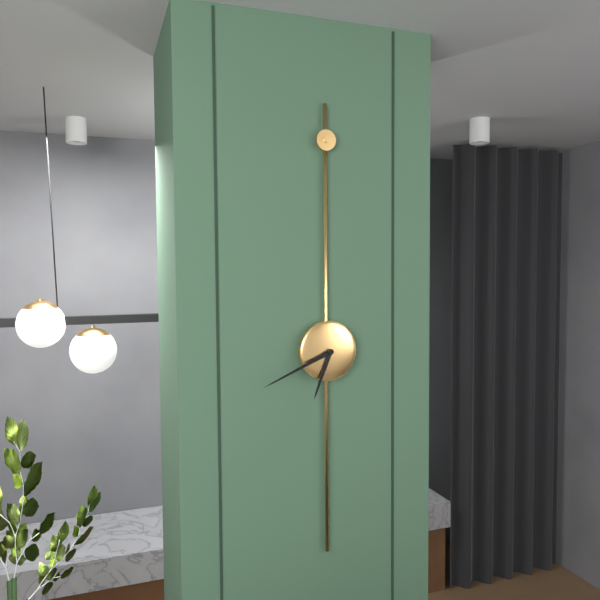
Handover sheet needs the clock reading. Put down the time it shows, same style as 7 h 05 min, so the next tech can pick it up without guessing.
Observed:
6 h 41 min
